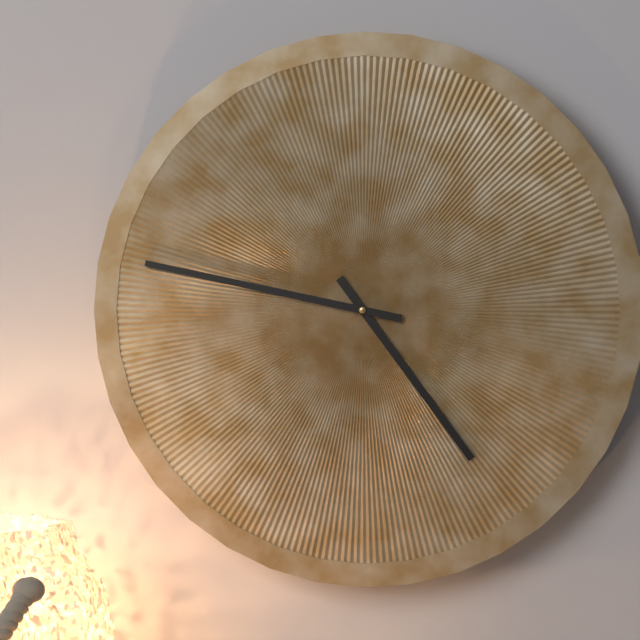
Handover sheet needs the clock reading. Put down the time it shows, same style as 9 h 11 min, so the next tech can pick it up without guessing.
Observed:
4 h 47 min
